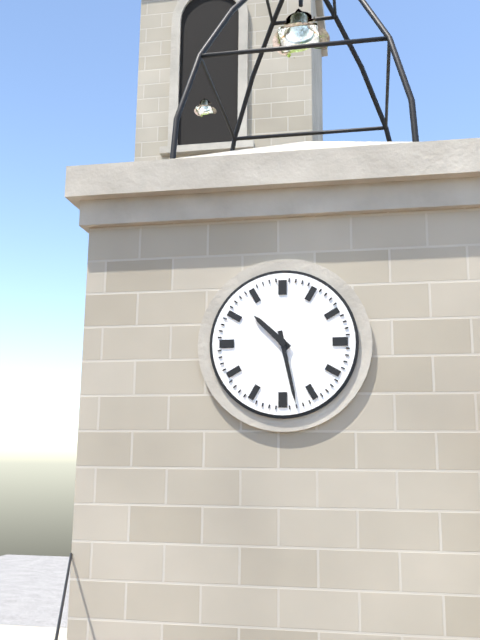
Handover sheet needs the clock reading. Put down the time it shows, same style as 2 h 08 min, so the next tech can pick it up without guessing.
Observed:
10 h 28 min
